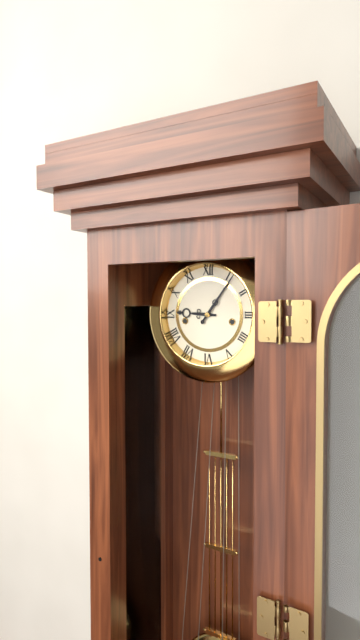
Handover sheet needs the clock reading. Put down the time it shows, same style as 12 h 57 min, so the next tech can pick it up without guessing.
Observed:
9 h 06 min
